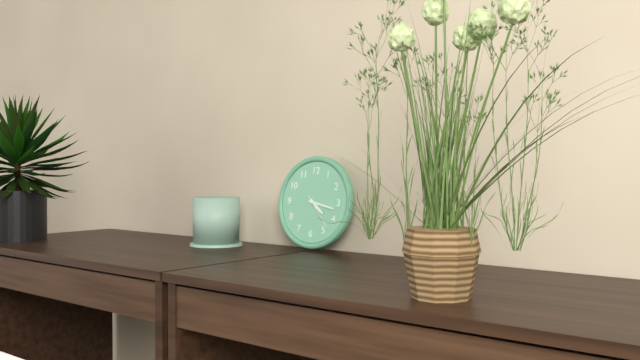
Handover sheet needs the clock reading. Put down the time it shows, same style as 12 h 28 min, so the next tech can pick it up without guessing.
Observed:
4 h 17 min
